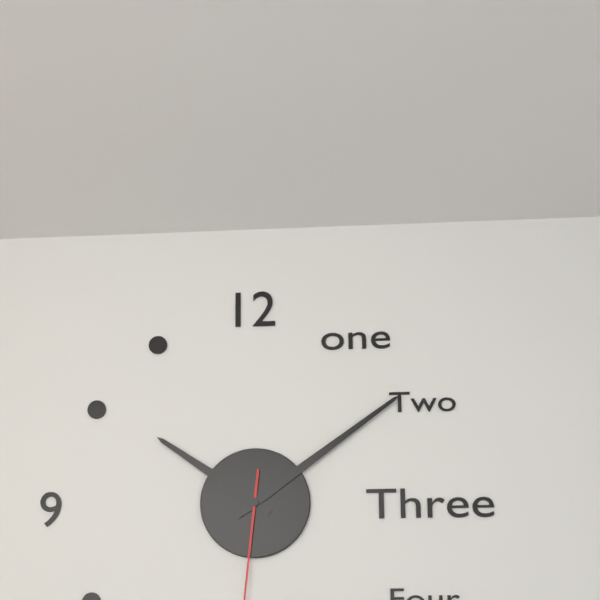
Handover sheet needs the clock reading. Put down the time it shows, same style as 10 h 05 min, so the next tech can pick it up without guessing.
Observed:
10 h 09 min
